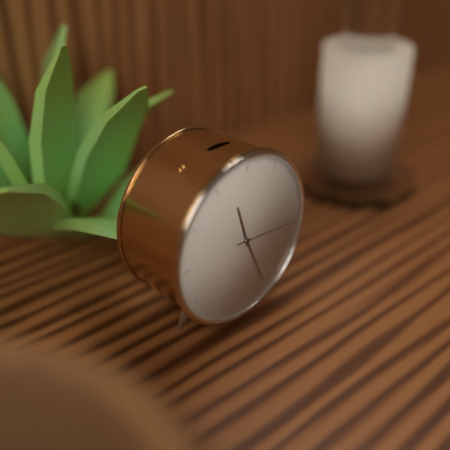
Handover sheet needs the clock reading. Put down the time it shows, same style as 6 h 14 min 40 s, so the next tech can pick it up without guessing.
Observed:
11 h 26 min 16 s
